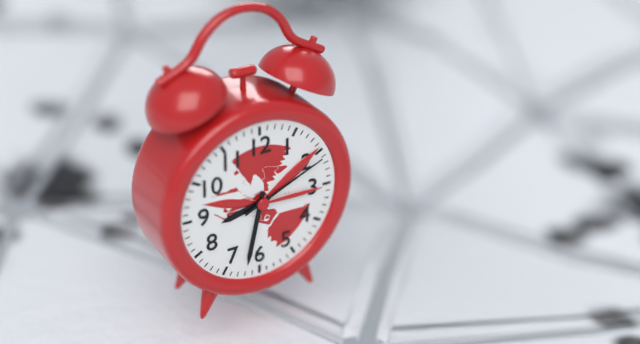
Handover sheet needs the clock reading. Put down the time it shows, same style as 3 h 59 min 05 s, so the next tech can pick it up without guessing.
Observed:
8 h 32 min 11 s
